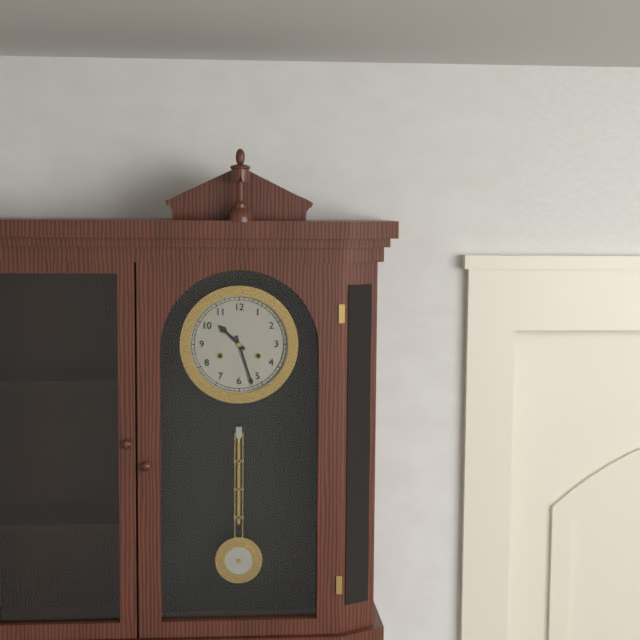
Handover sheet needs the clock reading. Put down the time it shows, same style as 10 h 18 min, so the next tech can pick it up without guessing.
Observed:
10 h 27 min
